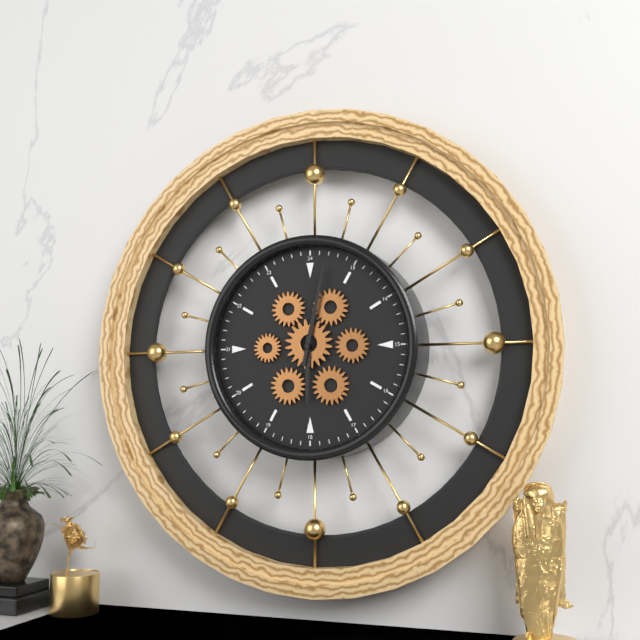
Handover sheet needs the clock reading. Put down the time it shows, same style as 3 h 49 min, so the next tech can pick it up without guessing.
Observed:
6 h 02 min
